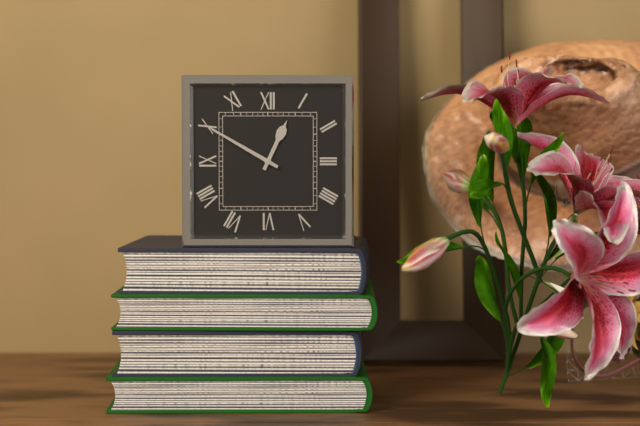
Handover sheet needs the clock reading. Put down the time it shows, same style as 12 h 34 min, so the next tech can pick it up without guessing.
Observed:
12 h 50 min
